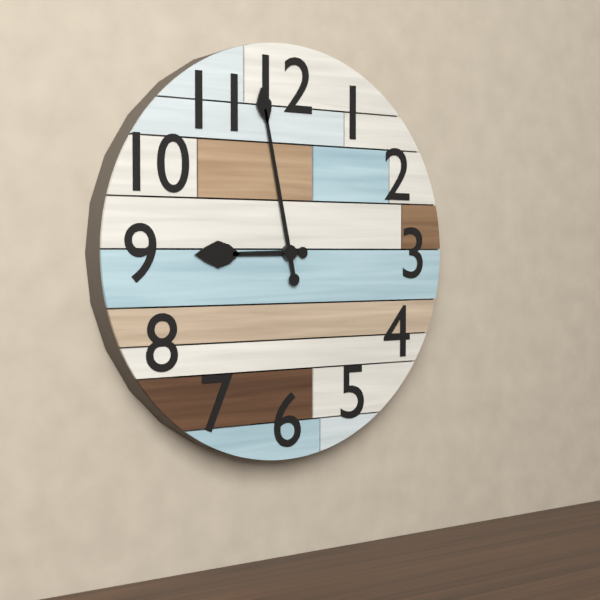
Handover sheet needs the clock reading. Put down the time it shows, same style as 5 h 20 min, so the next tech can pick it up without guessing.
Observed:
8 h 58 min
